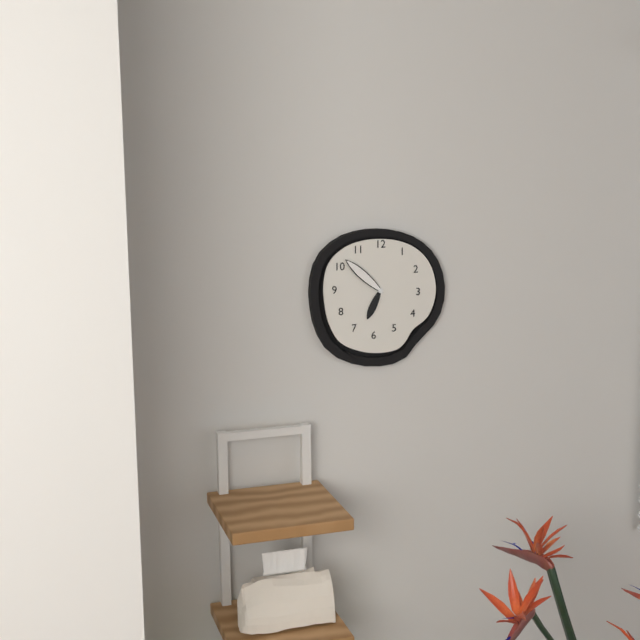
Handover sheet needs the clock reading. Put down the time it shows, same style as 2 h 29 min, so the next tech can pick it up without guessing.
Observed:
6 h 52 min
